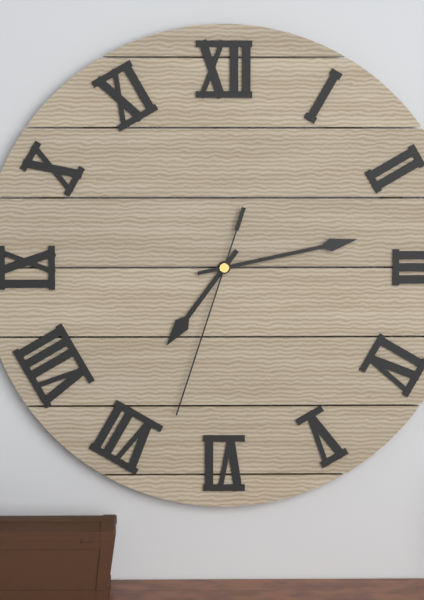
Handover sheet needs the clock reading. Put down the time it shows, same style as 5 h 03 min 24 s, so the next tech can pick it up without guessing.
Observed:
7 h 13 min 33 s
